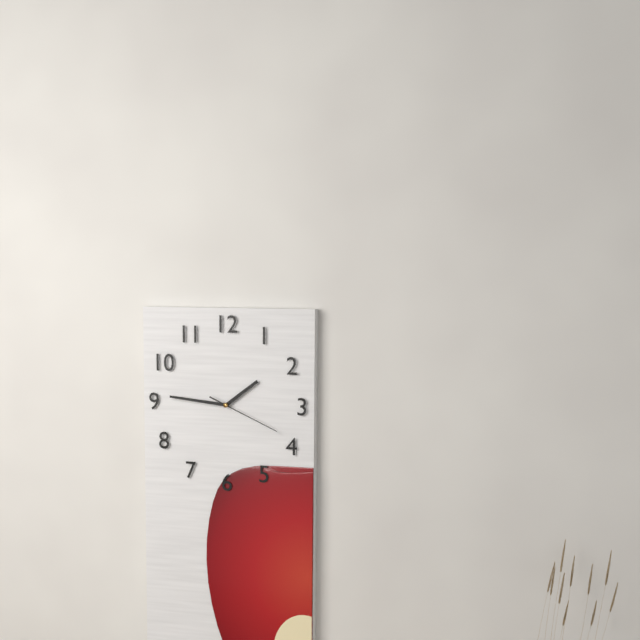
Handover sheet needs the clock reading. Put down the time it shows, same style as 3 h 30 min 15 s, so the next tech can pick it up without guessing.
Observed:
1 h 46 min 19 s
